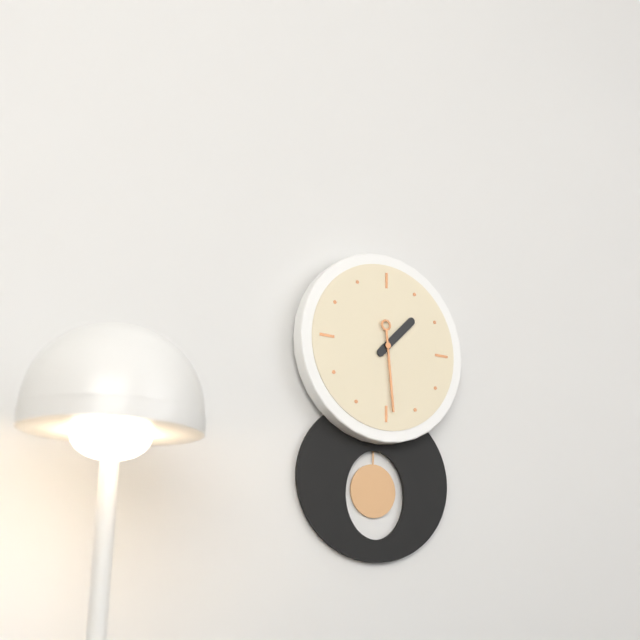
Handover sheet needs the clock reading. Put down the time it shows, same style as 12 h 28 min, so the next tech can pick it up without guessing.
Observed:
1 h 29 min
